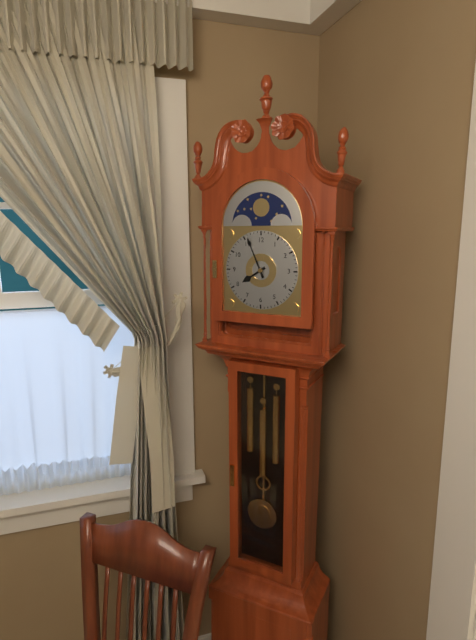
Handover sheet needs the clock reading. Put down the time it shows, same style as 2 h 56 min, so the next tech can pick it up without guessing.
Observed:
7 h 56 min
